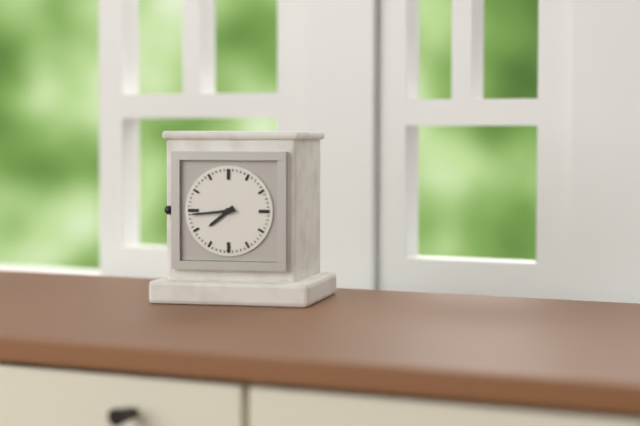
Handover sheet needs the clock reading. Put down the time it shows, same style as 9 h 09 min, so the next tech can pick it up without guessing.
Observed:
7 h 44 min
